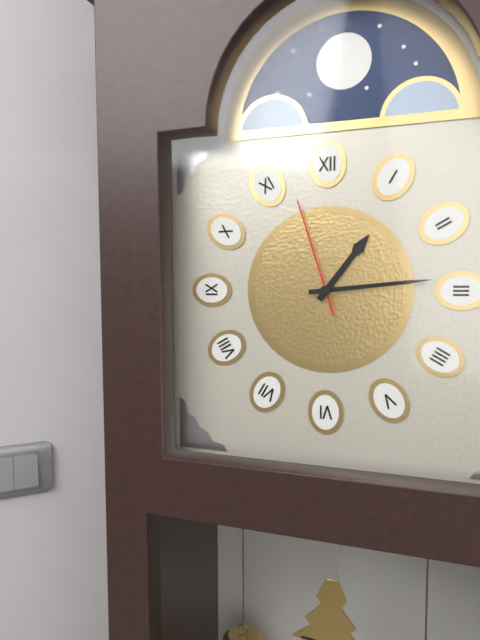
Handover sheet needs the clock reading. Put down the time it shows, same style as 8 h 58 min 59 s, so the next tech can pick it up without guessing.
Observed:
1 h 14 min 57 s
